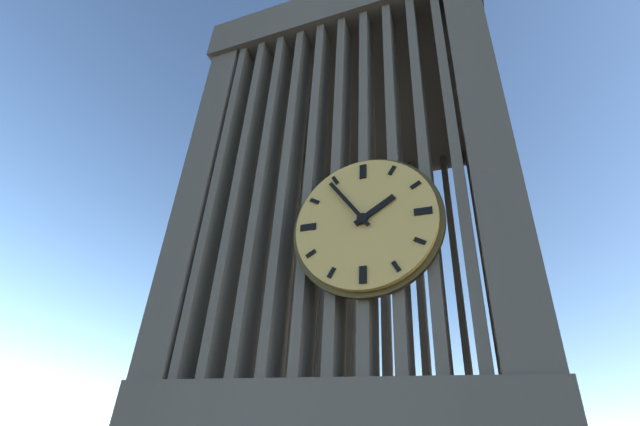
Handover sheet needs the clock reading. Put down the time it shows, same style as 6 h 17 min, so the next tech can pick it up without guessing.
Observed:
1 h 54 min
